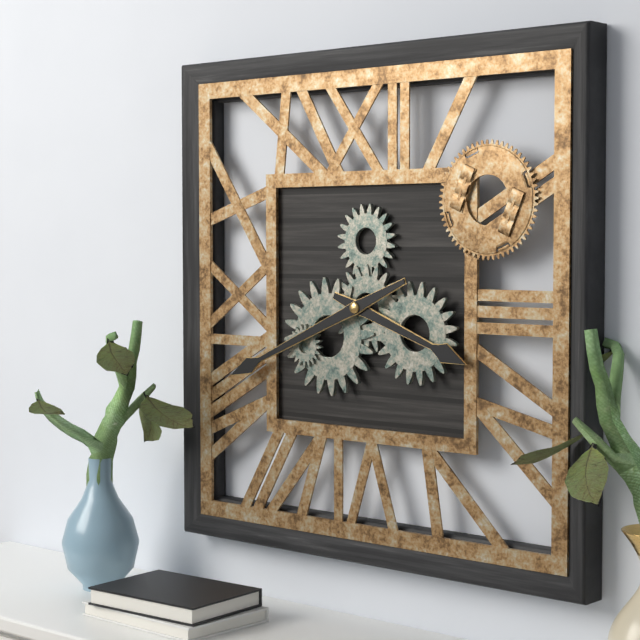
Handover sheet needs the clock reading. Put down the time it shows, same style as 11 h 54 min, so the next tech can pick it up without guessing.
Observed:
3 h 41 min
